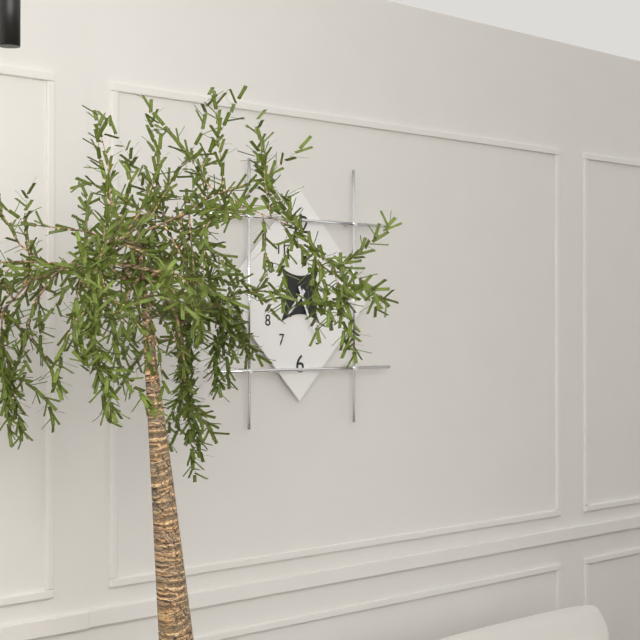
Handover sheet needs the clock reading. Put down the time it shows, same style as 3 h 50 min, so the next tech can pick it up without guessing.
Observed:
7 h 26 min
